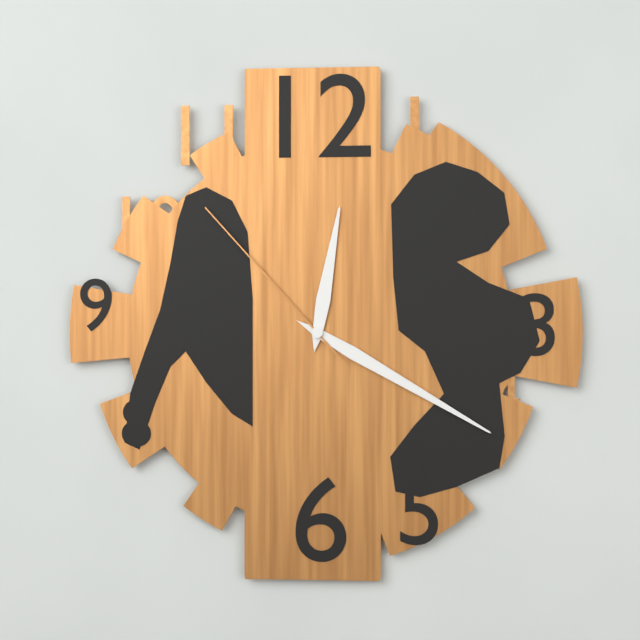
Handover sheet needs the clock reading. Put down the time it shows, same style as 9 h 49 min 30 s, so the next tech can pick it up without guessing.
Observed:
12 h 20 min 53 s
